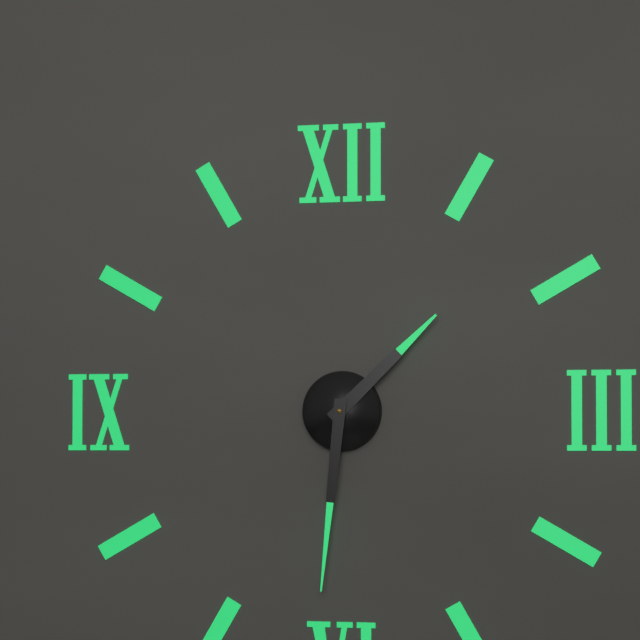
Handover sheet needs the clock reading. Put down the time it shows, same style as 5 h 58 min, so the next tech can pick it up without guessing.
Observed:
1 h 31 min
